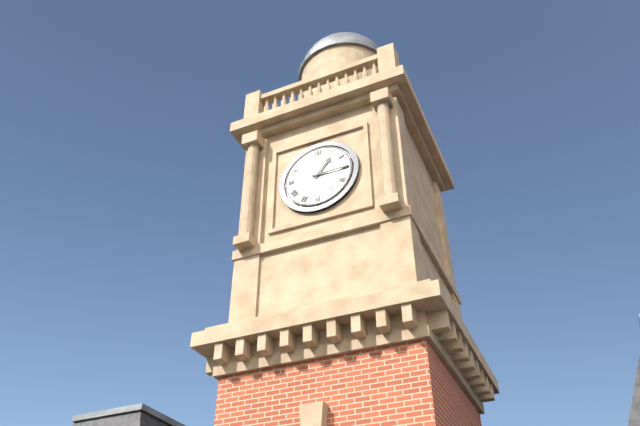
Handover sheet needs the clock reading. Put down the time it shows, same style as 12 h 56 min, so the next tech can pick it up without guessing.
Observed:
1 h 15 min
